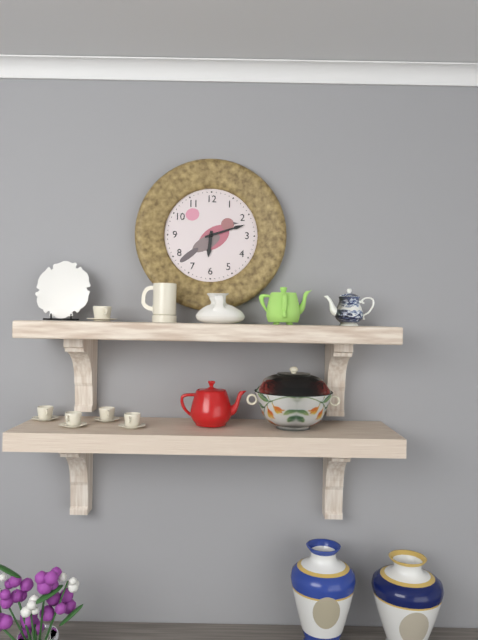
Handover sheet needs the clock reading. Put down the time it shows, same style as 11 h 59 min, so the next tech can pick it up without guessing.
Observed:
6 h 12 min
